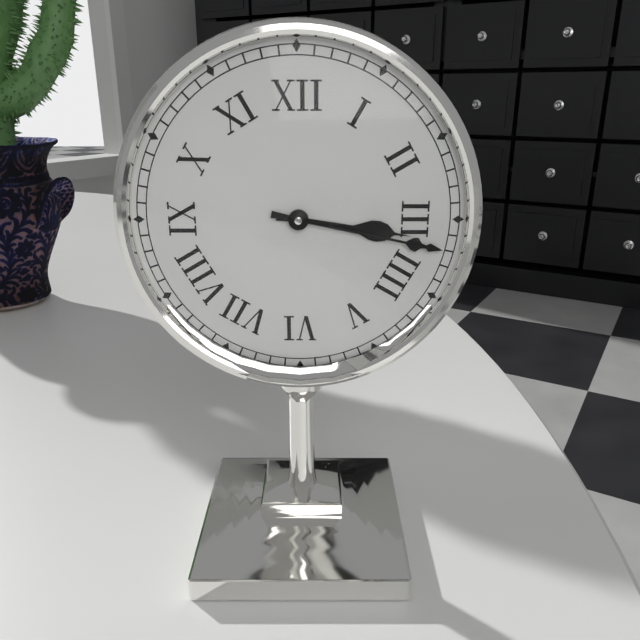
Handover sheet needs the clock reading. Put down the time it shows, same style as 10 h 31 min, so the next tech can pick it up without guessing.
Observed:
3 h 17 min
